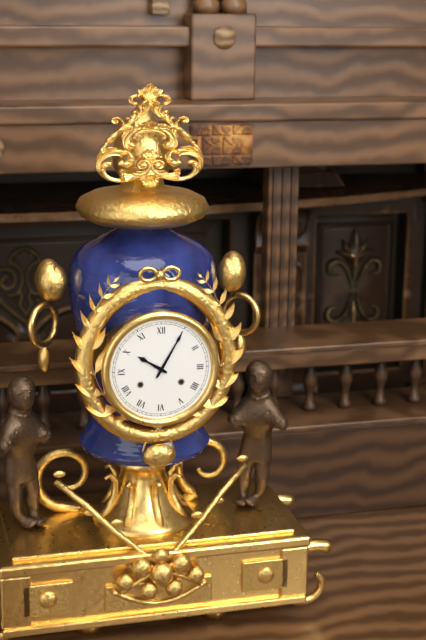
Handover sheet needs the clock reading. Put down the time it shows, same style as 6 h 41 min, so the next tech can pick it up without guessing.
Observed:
10 h 05 min
